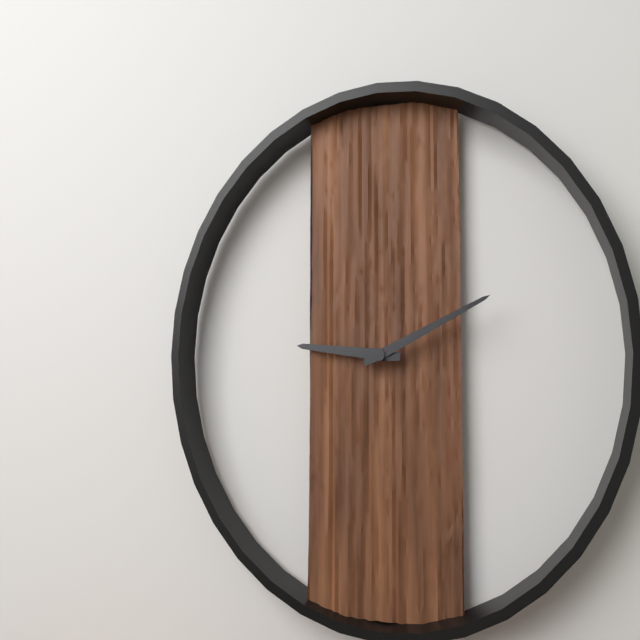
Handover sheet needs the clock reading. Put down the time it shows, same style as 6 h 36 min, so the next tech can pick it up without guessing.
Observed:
9 h 11 min
